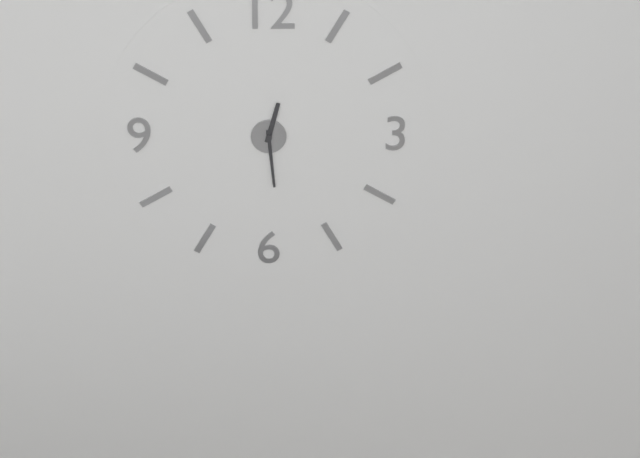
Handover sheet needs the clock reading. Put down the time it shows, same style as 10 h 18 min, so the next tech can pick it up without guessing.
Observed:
12 h 29 min
